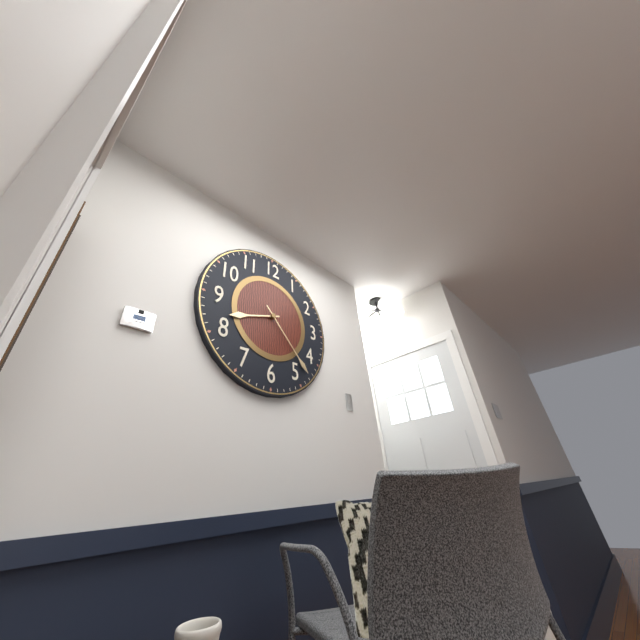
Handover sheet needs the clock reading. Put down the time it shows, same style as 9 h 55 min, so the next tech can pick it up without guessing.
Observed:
8 h 23 min
